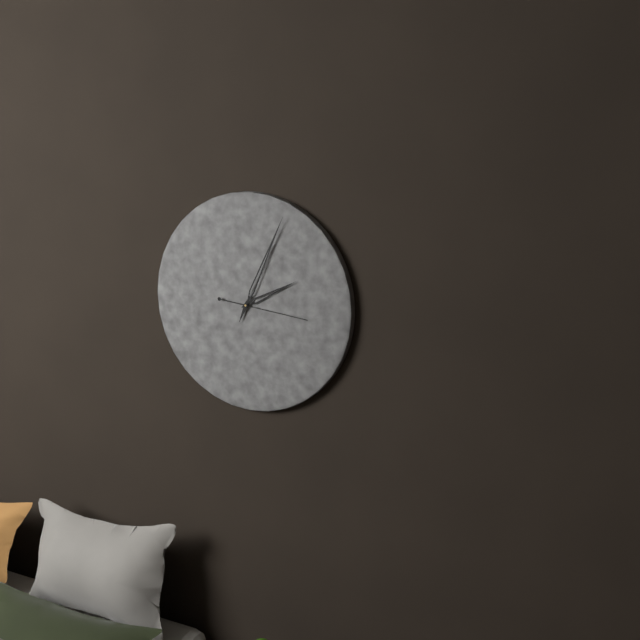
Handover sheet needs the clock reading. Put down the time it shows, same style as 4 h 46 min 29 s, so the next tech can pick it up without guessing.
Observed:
2 h 04 min 16 s
